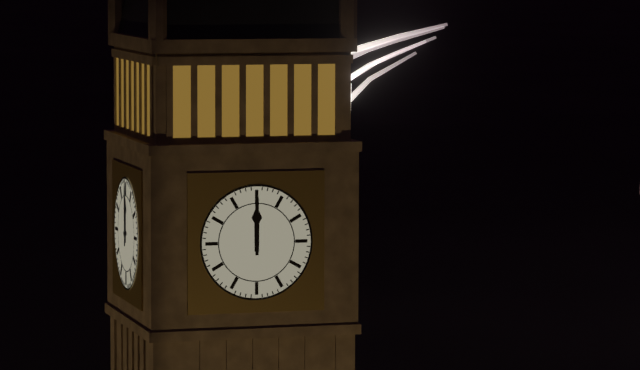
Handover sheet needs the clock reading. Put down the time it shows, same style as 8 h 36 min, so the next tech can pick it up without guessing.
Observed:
12 h 00 min
